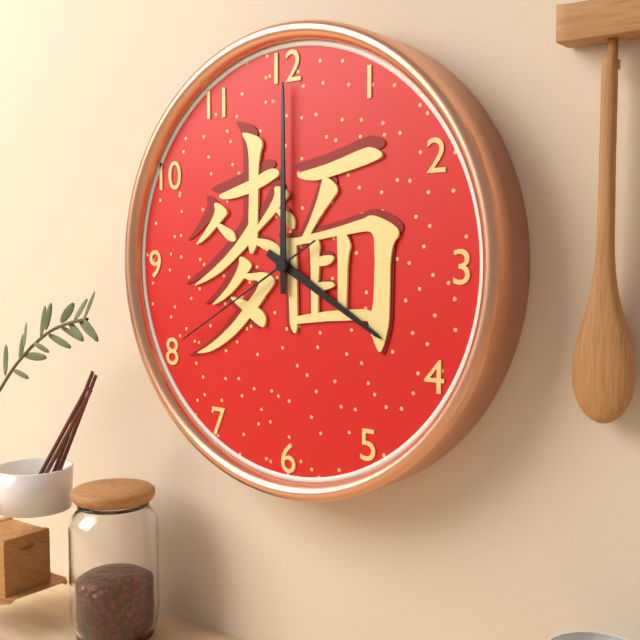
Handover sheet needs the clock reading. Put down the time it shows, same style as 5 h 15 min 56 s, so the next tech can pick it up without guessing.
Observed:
4 h 00 min 40 s
